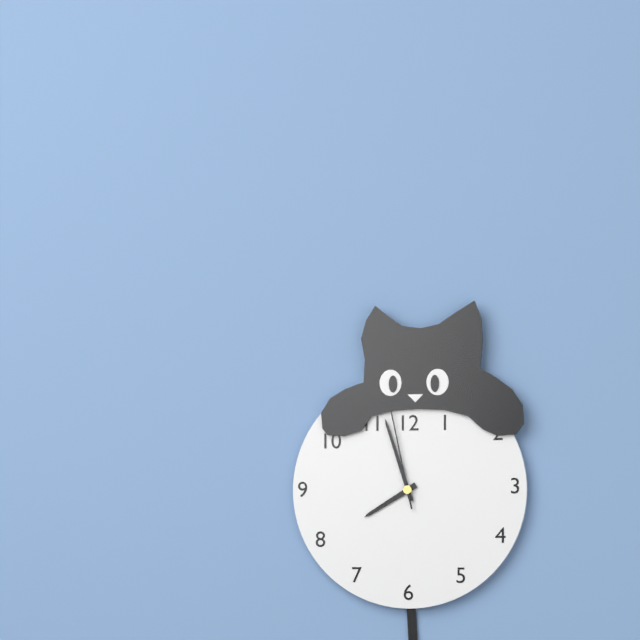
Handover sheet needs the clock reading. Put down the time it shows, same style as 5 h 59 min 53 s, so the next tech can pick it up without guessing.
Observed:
7 h 57 min 58 s
